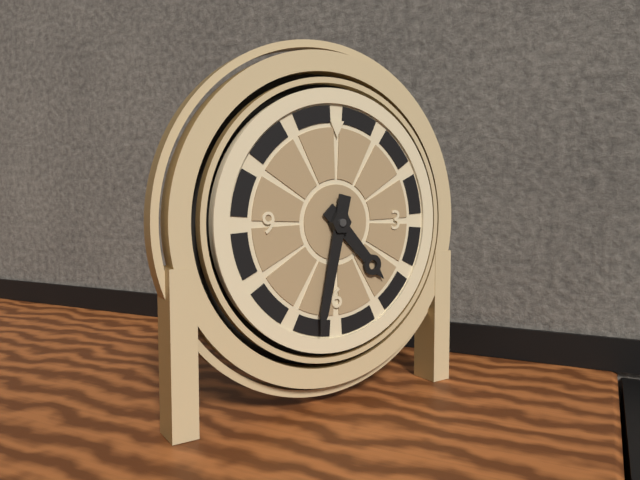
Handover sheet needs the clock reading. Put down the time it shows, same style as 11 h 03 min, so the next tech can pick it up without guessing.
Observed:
4 h 32 min
